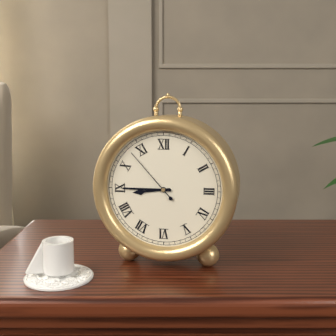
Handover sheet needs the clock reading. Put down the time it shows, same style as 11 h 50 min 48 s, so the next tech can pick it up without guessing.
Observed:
8 h 45 min 53 s
